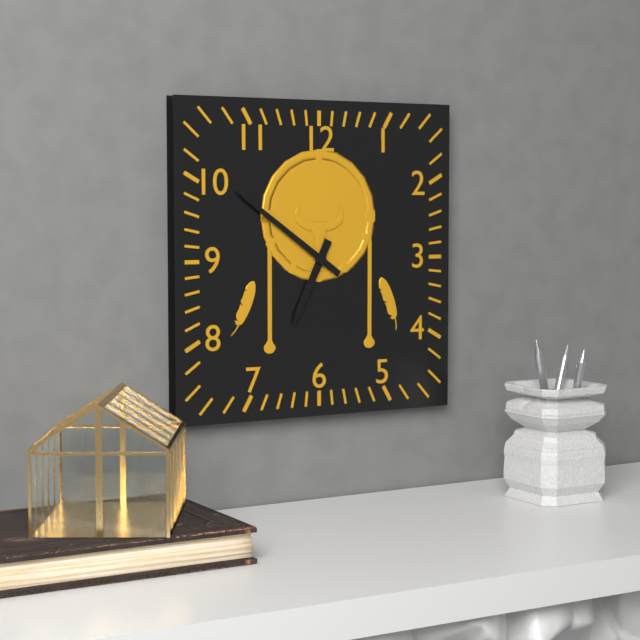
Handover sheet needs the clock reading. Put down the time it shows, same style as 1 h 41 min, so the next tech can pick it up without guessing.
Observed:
6 h 51 min
